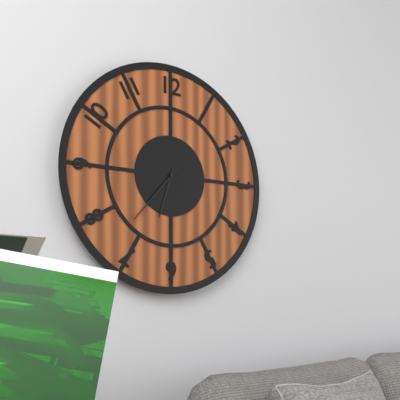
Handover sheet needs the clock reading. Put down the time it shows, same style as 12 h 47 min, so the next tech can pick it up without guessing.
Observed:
6 h 37 min
